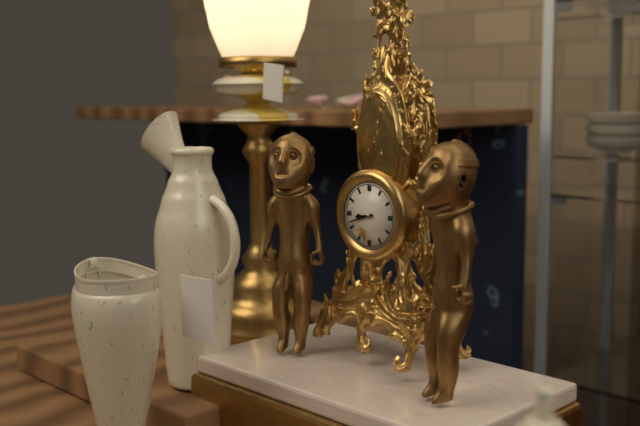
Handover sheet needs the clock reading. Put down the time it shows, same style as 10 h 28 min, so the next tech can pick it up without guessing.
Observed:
8 h 42 min
